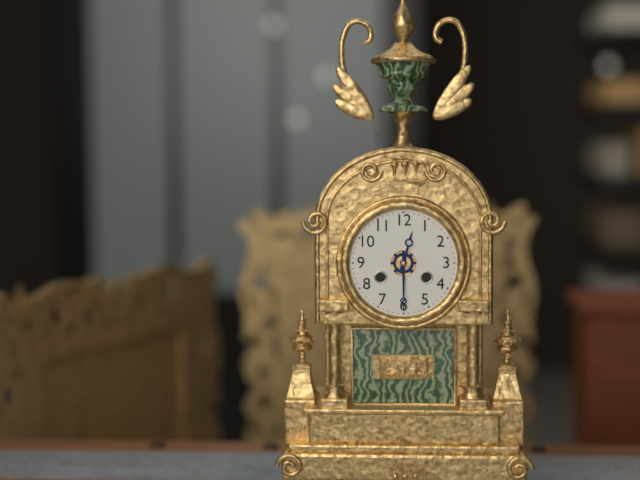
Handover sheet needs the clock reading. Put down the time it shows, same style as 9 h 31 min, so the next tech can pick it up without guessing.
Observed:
12 h 30 min
